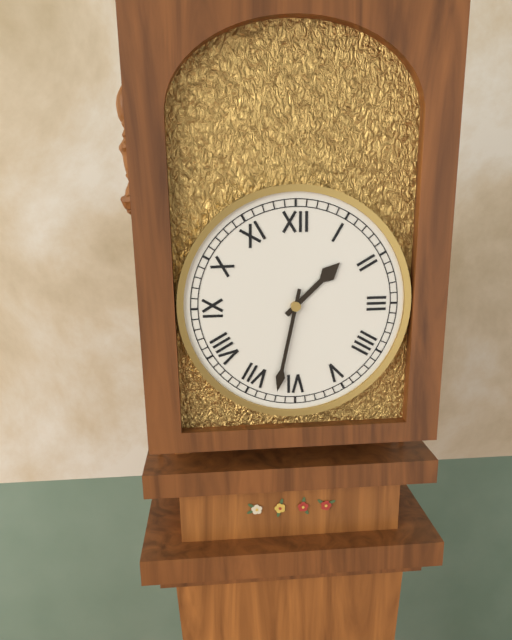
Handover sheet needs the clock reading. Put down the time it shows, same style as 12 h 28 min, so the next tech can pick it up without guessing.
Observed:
1 h 32 min
